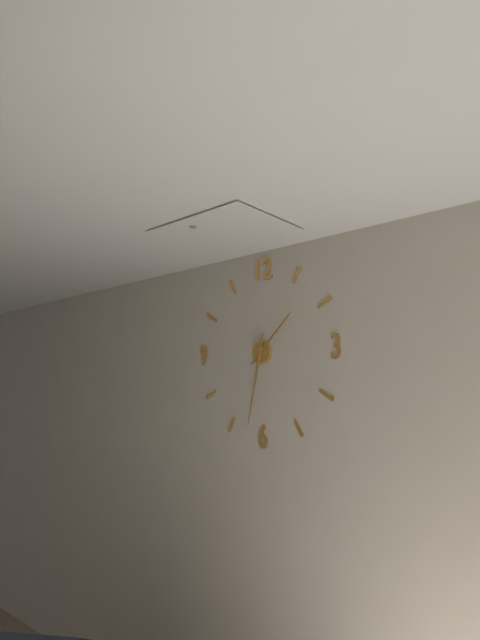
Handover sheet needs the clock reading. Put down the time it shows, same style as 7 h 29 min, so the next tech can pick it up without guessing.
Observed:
1 h 32 min
